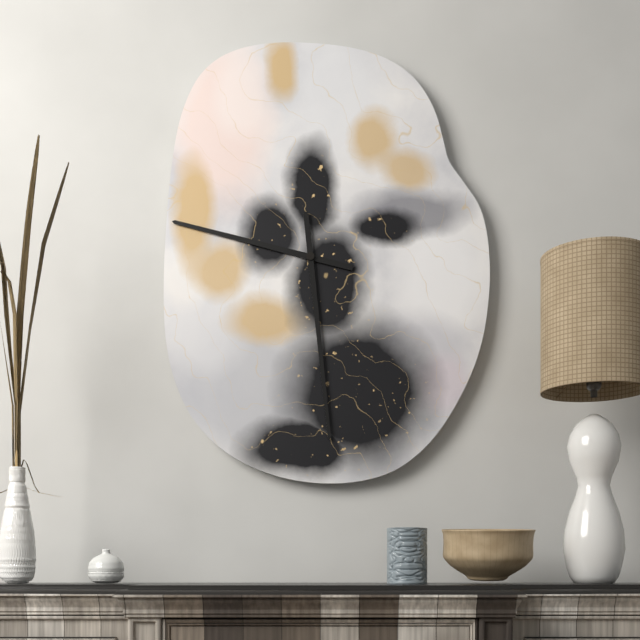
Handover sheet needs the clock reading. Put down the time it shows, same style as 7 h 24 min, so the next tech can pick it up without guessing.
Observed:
9 h 29 min
